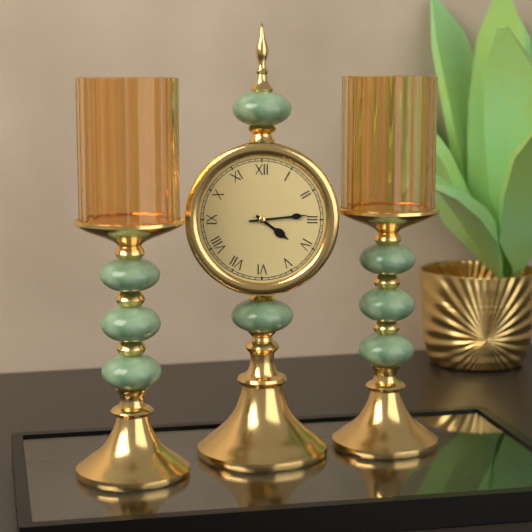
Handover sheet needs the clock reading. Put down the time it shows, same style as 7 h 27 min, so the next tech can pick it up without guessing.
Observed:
4 h 14 min
